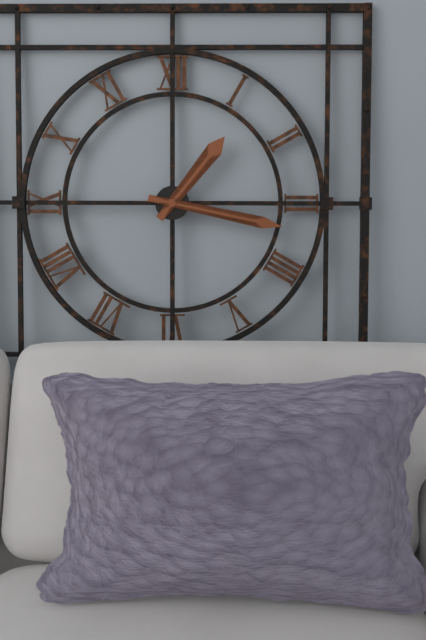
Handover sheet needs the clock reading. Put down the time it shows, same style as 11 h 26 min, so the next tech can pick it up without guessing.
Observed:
1 h 17 min
